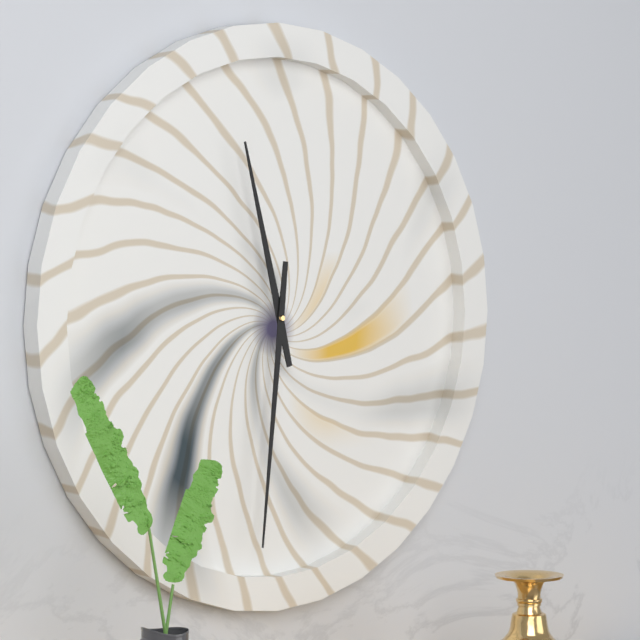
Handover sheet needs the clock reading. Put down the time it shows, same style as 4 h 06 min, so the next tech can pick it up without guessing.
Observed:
11 h 31 min
